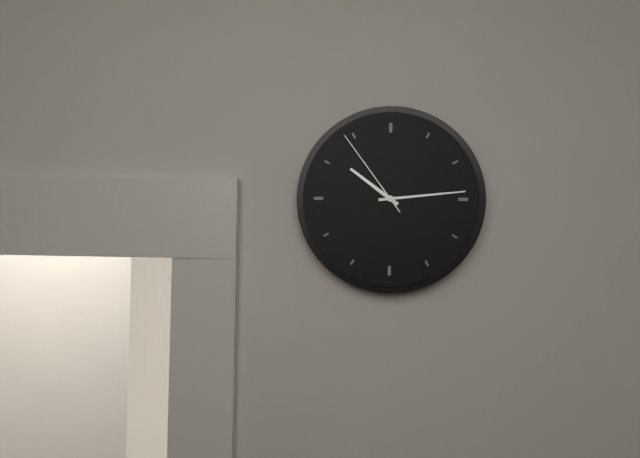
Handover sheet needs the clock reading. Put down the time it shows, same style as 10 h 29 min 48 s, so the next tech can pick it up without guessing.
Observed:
10 h 14 min 54 s
